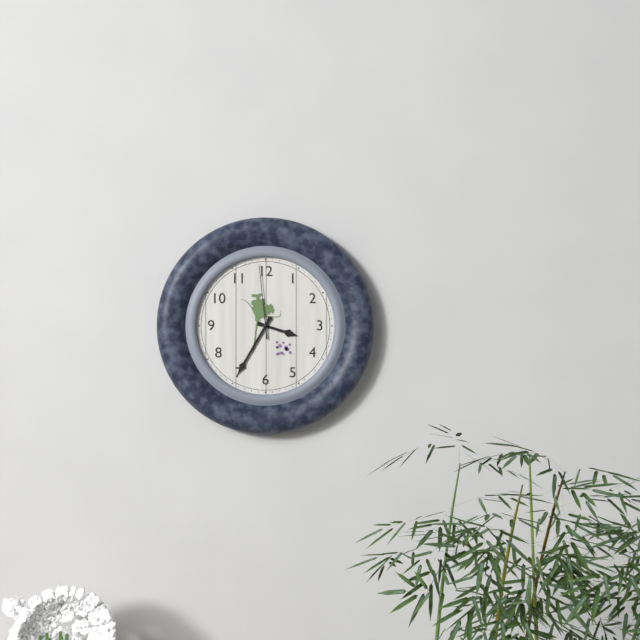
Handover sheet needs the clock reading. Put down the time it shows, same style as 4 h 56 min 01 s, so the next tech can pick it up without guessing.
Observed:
3 h 35 min 59 s
